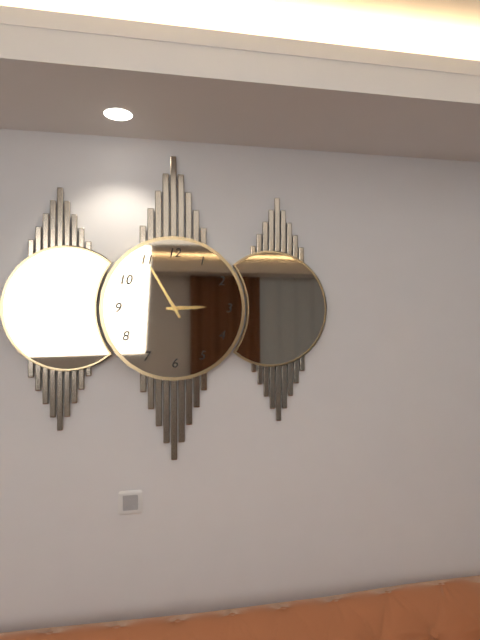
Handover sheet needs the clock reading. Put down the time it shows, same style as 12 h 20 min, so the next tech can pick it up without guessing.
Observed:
2 h 55 min
